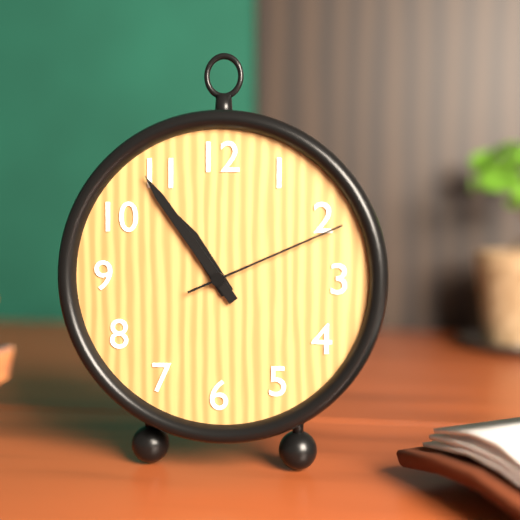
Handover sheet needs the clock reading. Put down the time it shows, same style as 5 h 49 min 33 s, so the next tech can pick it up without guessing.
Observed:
10 h 54 min 11 s
